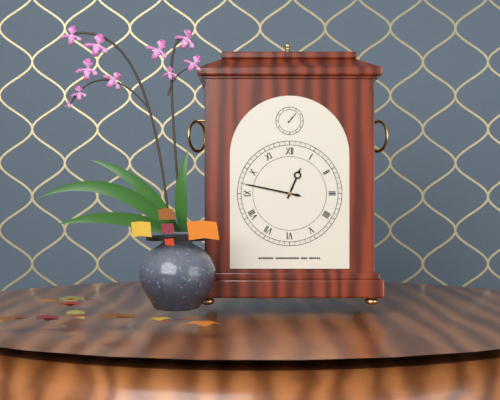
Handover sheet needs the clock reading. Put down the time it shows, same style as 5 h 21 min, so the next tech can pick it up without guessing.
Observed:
12 h 47 min
